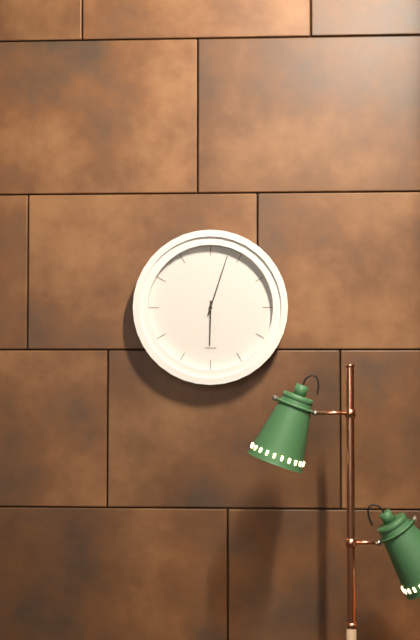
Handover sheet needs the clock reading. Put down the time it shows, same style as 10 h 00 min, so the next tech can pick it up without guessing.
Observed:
6 h 03 min
